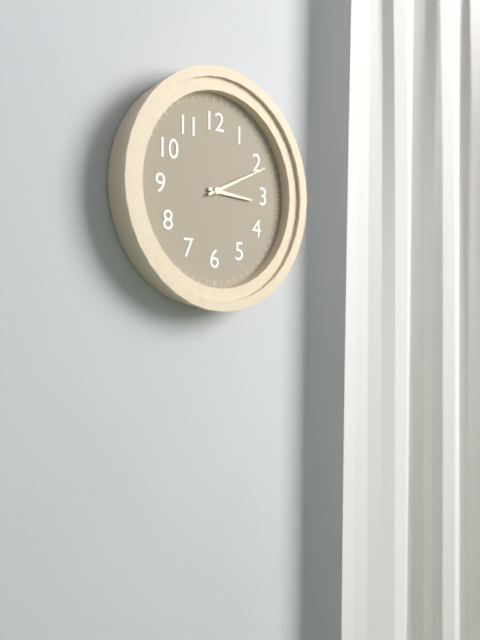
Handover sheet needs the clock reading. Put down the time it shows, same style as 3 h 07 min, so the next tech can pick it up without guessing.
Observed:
3 h 11 min
